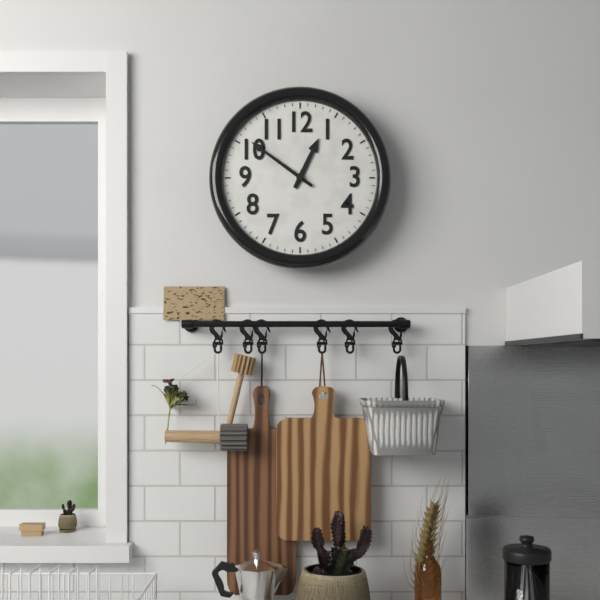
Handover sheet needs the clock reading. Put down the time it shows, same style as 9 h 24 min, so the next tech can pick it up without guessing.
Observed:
12 h 51 min
